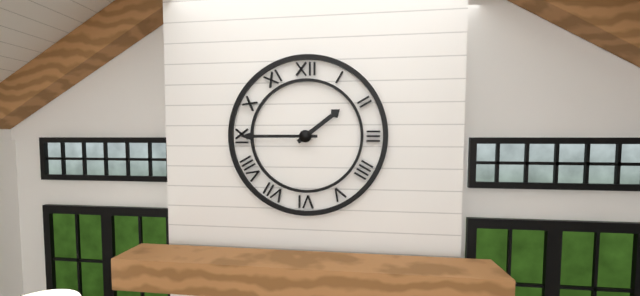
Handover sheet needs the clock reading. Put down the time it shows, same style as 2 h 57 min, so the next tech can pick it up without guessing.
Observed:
1 h 45 min
